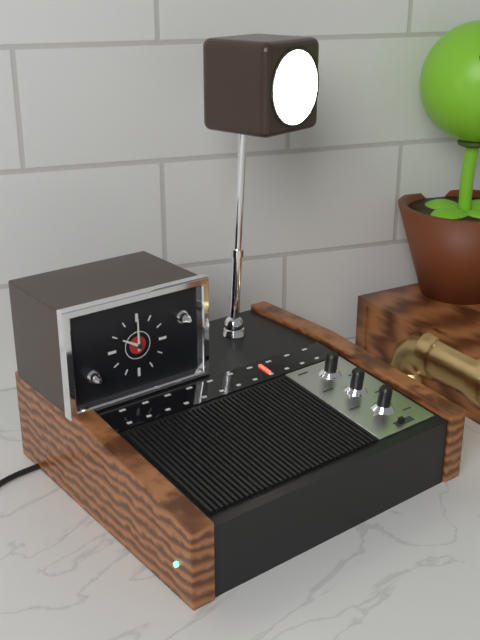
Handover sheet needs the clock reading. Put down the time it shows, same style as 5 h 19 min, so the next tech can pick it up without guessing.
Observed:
10 h 00 min
